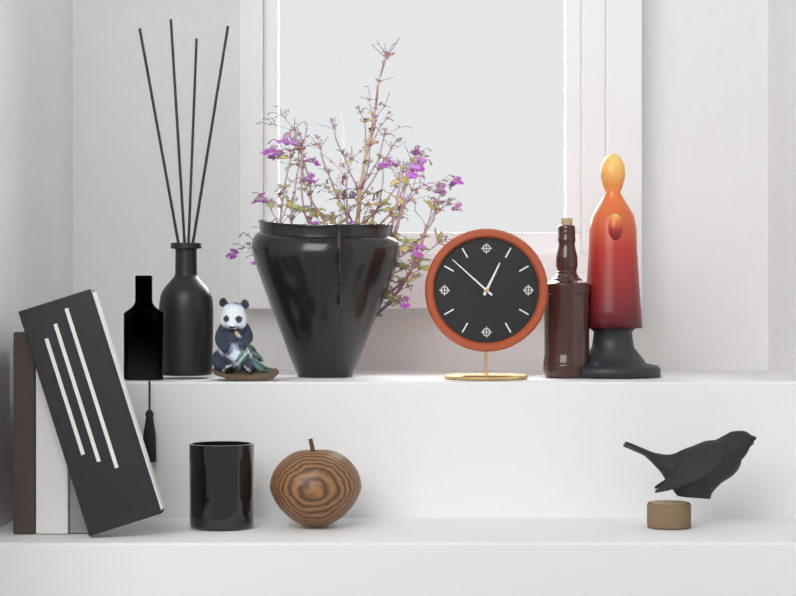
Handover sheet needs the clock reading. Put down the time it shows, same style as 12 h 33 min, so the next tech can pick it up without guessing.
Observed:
12 h 52 min
